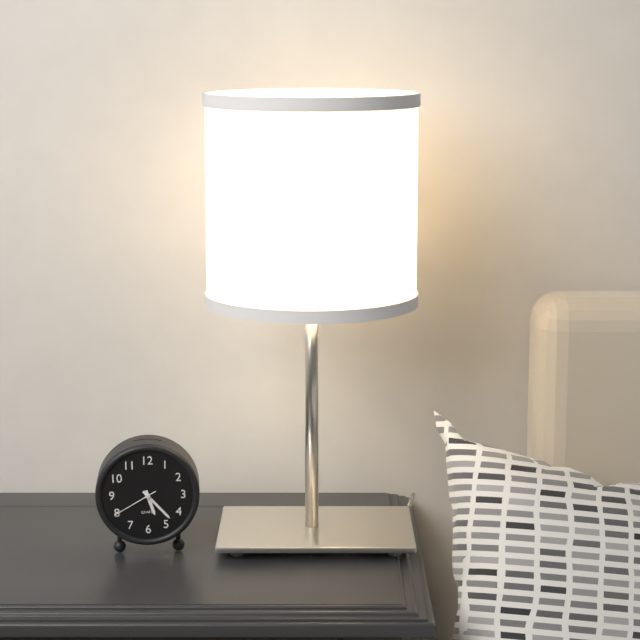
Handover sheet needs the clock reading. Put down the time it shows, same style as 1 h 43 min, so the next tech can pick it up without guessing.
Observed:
5 h 23 min
